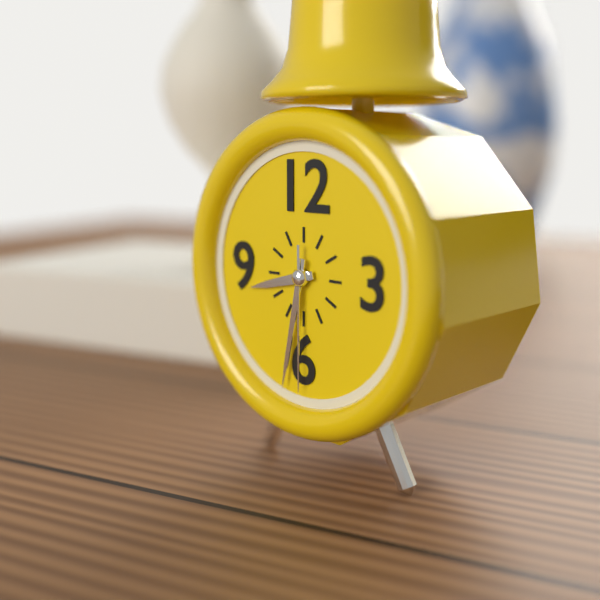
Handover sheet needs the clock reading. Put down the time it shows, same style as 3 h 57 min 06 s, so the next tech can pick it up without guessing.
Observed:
8 h 32 min 30 s
